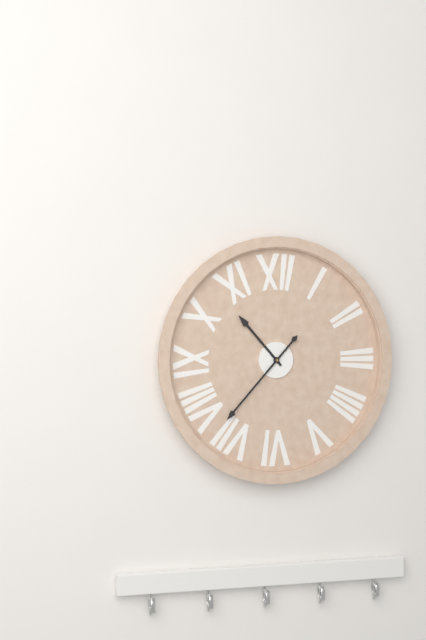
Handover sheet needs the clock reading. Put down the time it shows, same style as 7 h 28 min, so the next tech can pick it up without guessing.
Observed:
10 h 37 min
